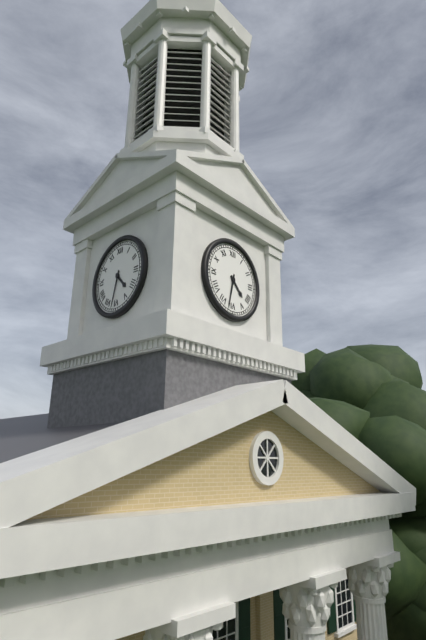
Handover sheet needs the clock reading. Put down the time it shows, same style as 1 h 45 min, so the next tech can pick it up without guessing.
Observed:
4 h 32 min
